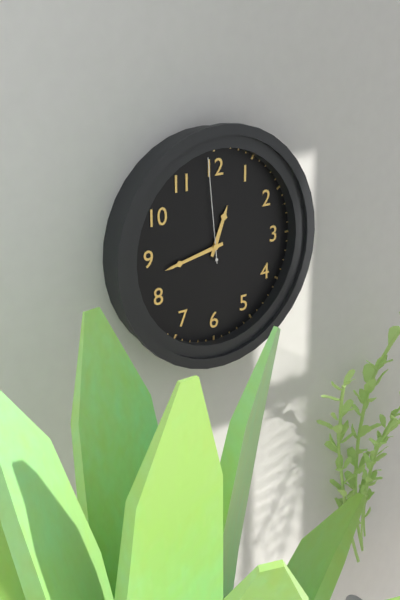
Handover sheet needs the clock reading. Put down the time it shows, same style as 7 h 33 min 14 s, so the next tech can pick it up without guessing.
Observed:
12 h 43 min 59 s
